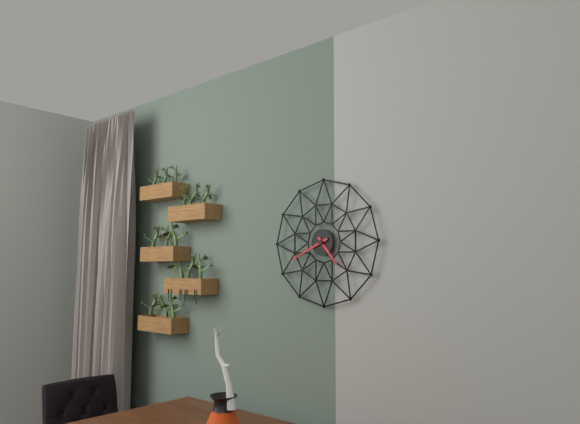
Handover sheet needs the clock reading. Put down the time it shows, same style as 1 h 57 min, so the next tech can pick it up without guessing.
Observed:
4 h 41 min
